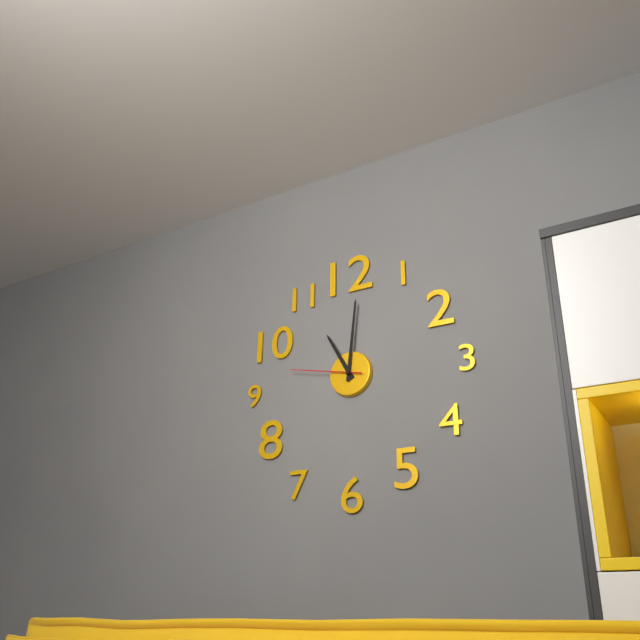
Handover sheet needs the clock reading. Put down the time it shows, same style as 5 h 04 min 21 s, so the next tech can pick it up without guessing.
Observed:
11 h 01 min 47 s
